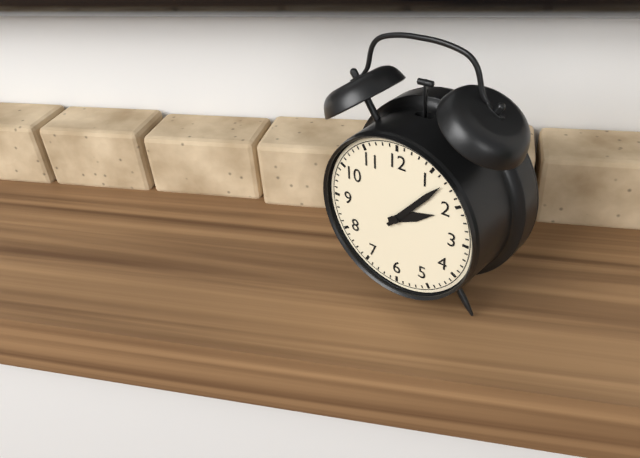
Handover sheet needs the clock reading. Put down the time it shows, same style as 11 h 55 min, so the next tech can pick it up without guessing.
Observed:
2 h 07 min
